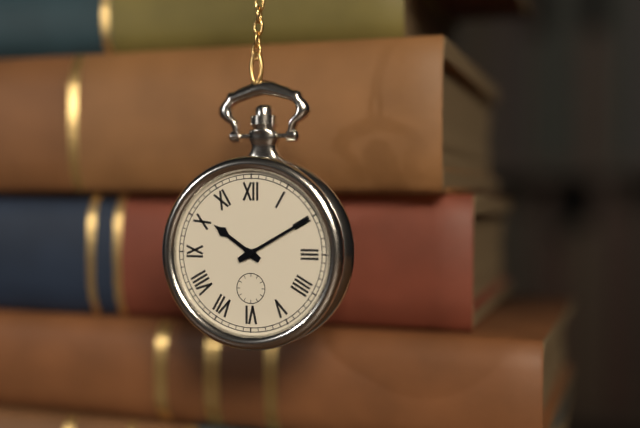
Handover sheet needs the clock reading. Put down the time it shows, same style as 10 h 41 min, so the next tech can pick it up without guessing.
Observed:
10 h 10 min
